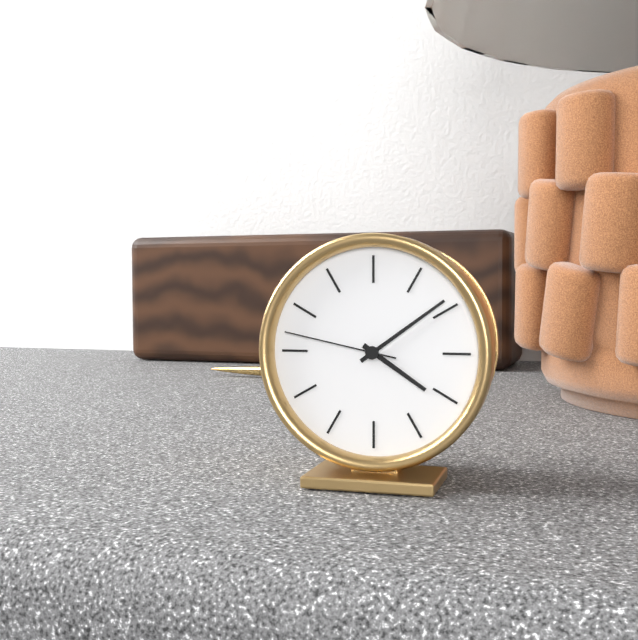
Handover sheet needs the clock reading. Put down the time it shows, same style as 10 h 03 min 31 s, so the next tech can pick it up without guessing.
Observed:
4 h 09 min 47 s
